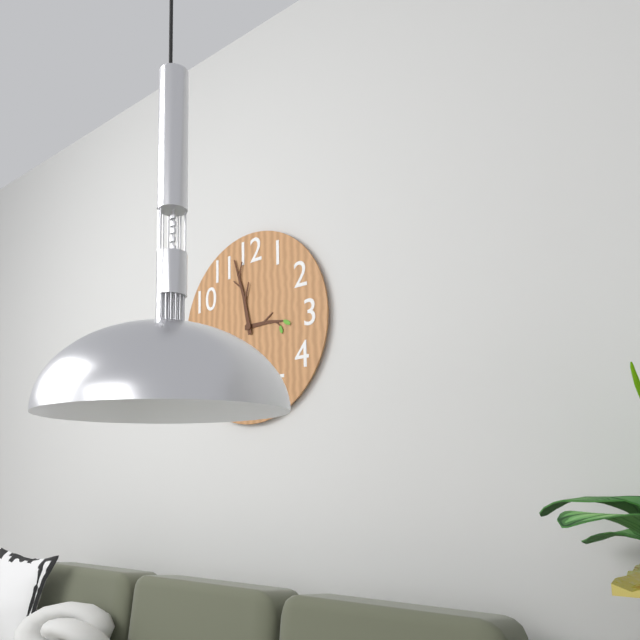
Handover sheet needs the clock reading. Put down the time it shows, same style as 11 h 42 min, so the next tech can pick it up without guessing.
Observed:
2 h 58 min
